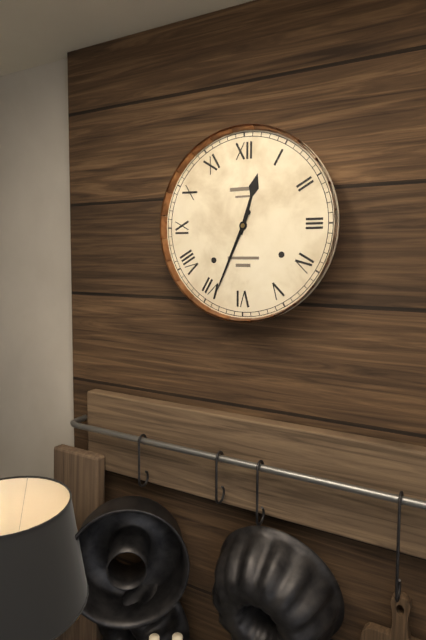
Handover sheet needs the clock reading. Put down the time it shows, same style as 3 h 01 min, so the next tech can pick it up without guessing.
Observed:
12 h 34 min
